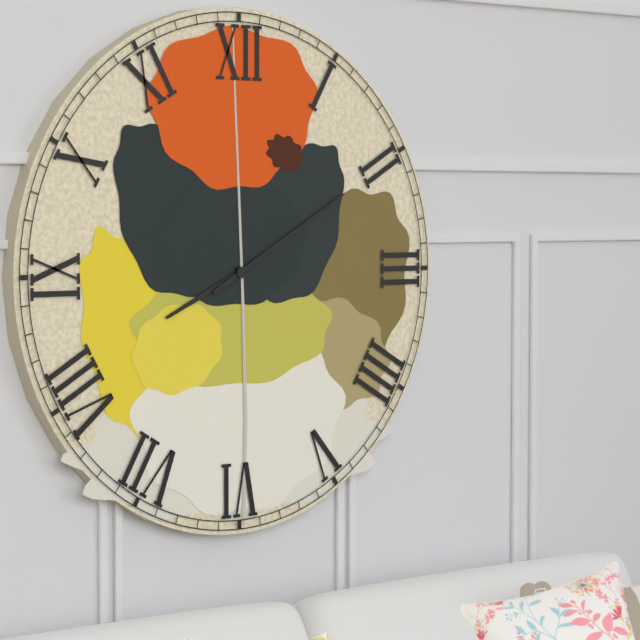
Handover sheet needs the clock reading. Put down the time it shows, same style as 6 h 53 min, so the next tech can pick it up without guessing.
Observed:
8 h 10 min
